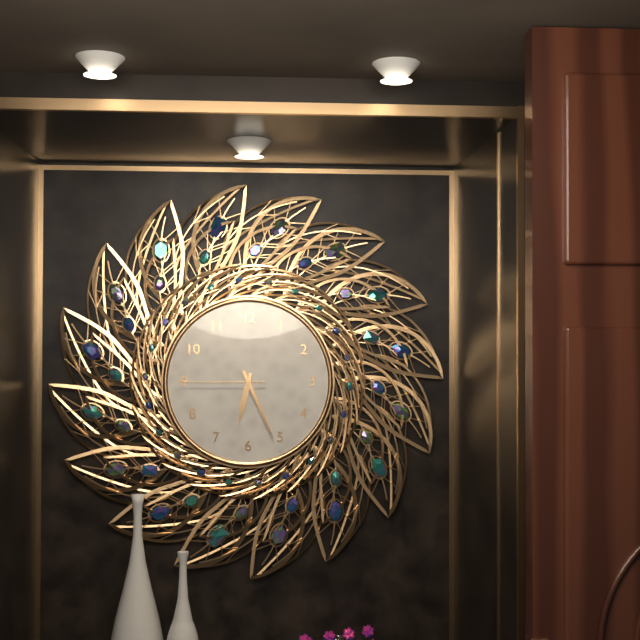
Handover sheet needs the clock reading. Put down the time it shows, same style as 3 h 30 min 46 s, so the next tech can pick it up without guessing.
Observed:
6 h 26 min 45 s
